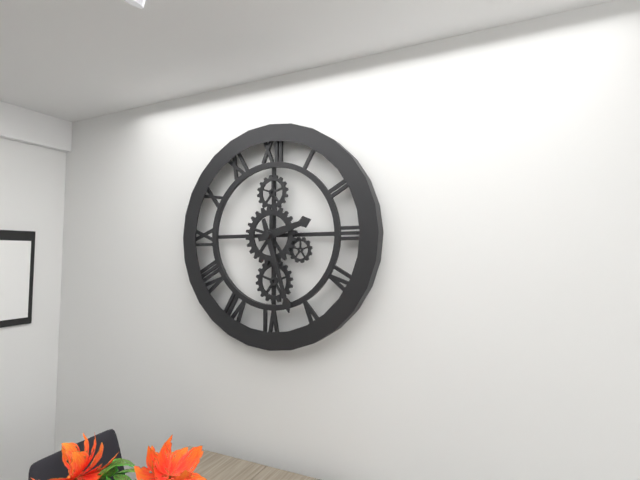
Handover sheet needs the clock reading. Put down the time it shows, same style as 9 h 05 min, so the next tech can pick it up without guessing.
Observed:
2 h 27 min
